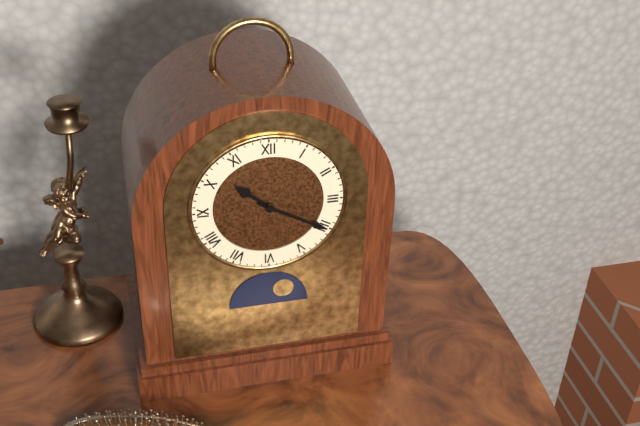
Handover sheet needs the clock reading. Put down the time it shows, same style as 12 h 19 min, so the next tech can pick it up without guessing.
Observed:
10 h 20 min
